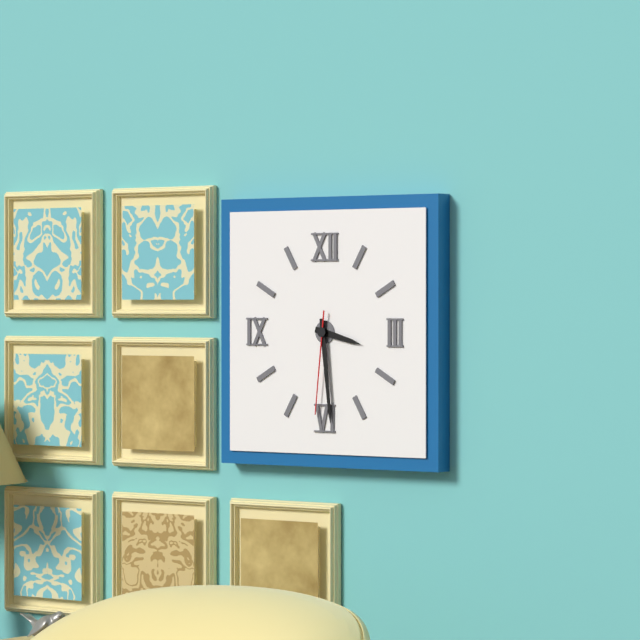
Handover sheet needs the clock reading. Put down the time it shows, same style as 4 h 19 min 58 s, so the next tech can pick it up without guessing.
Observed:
3 h 29 min 31 s
